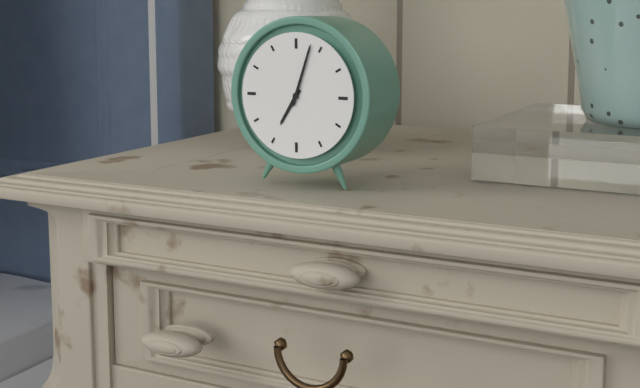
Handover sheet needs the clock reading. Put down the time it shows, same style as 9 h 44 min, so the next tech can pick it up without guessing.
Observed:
7 h 03 min
